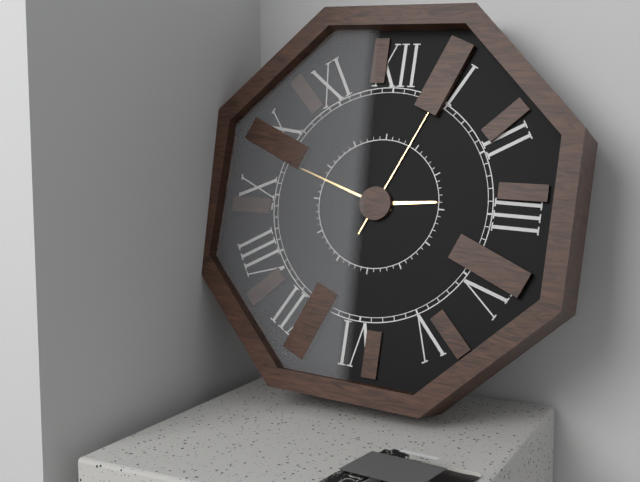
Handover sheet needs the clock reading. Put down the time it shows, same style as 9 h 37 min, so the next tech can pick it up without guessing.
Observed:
2 h 48 min
